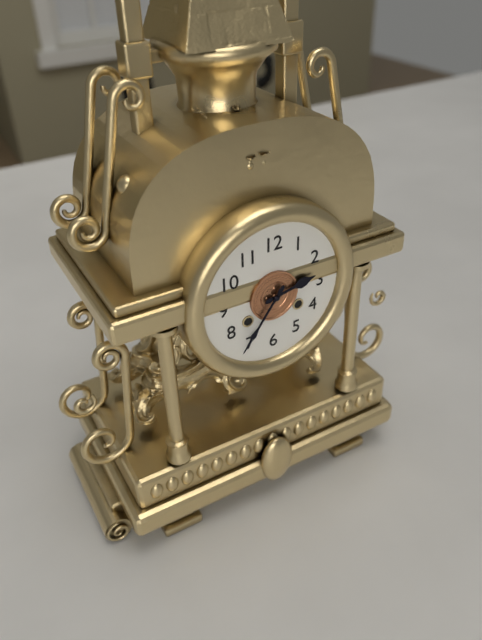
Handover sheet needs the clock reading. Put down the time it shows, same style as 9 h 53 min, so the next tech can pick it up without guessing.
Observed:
2 h 36 min
